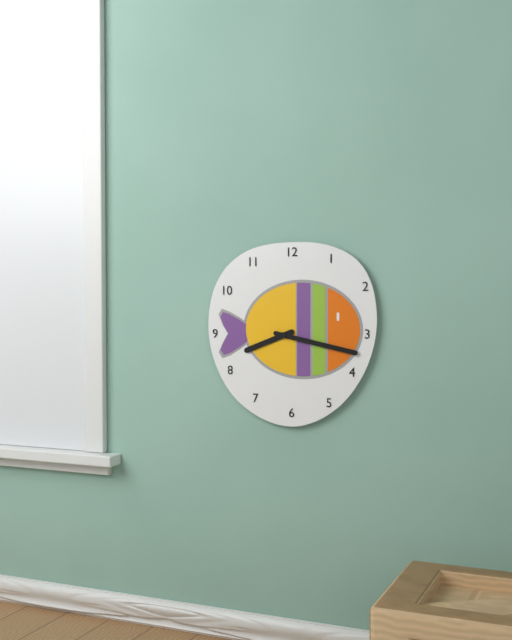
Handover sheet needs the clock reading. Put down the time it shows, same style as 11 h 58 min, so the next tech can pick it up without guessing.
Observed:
8 h 17 min
